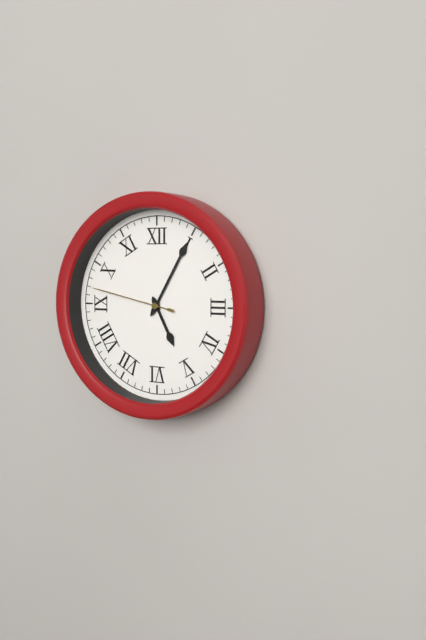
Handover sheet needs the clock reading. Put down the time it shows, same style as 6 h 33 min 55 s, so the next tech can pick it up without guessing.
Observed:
5 h 05 min 47 s
